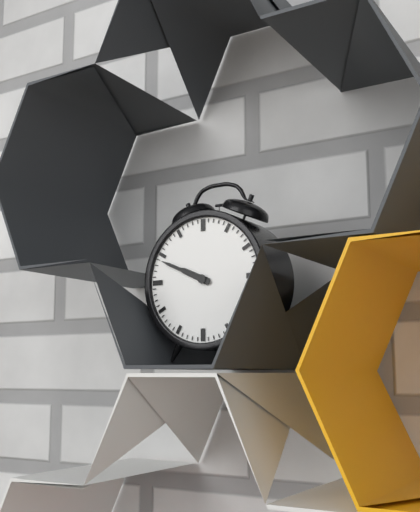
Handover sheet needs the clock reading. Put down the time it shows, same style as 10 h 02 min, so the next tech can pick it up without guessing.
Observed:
9 h 49 min
